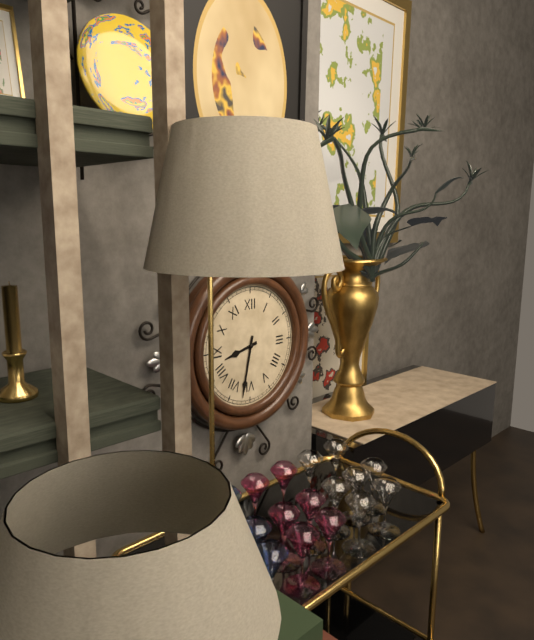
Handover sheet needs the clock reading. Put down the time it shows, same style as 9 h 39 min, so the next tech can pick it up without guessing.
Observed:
8 h 32 min
